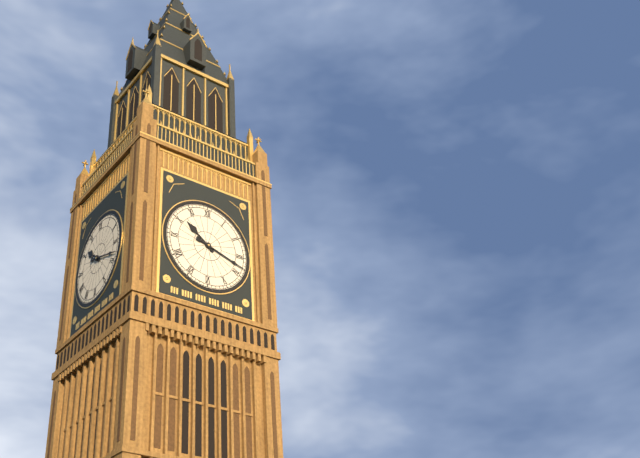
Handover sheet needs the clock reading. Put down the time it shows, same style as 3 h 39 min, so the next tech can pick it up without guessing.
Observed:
10 h 18 min
